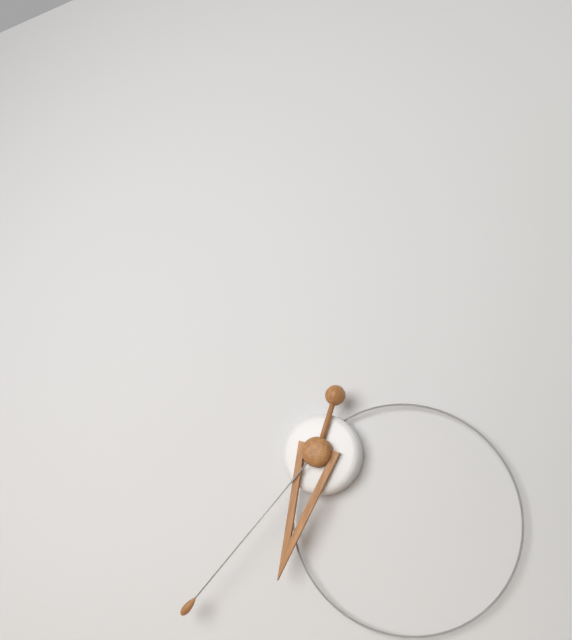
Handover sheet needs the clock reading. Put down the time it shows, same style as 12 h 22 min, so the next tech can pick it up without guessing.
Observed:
6 h 37 min
